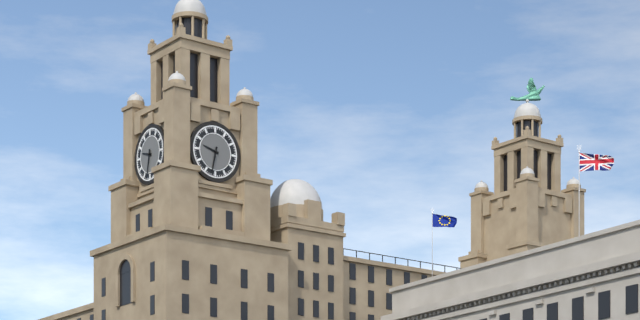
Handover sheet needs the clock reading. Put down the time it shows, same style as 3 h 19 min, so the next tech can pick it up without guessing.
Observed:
9 h 32 min
